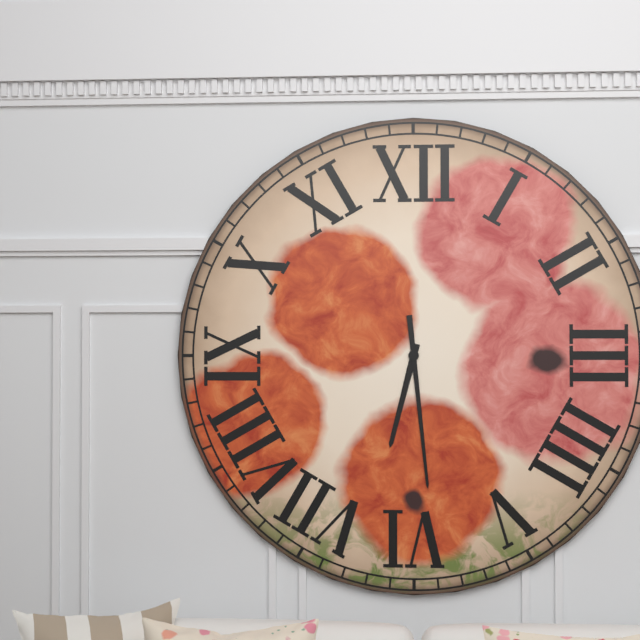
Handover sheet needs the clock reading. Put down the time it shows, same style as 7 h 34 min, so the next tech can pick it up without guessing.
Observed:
6 h 29 min
